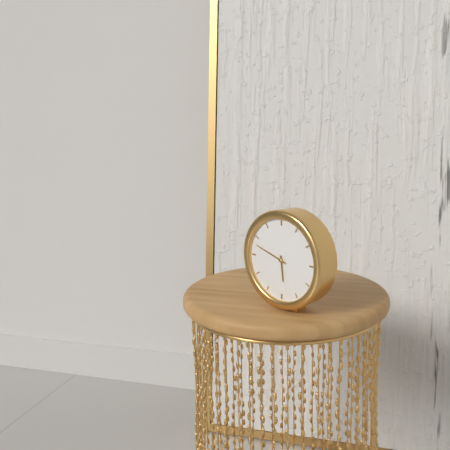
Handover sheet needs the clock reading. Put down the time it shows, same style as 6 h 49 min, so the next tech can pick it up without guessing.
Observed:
5 h 48 min
